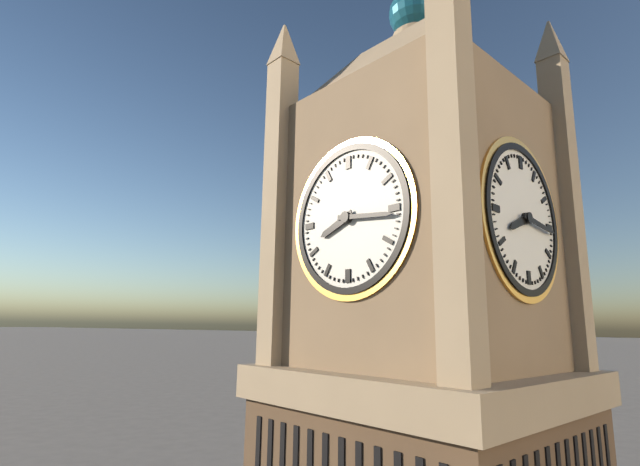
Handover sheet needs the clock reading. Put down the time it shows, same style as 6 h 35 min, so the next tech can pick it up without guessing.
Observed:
8 h 16 min
